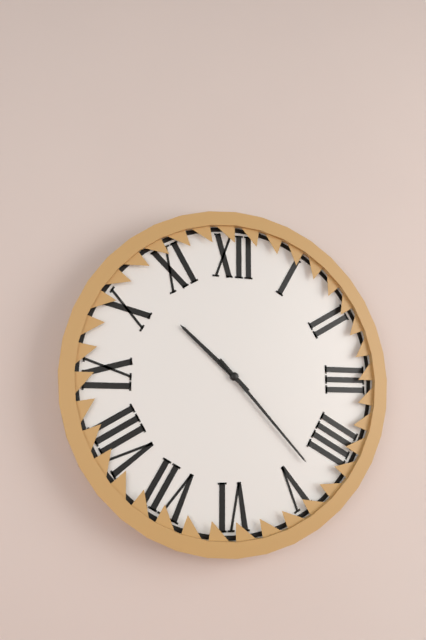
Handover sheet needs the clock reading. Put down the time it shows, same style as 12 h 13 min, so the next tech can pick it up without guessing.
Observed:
10 h 23 min
